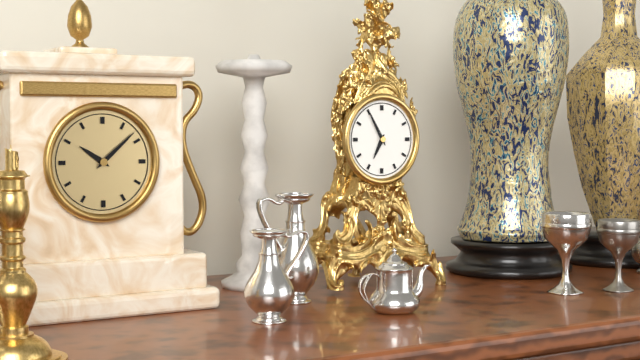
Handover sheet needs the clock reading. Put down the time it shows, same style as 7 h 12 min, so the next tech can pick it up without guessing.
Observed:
6 h 55 min
